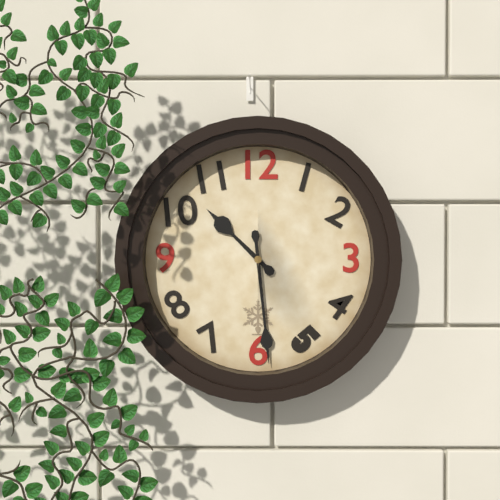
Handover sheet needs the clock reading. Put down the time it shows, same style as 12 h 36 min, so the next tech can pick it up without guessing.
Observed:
10 h 29 min
